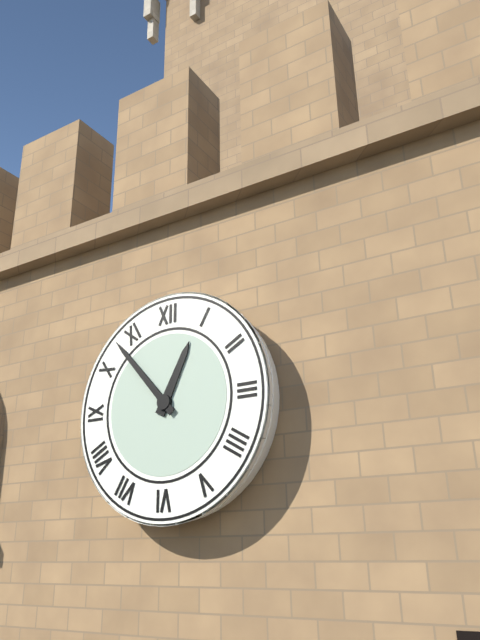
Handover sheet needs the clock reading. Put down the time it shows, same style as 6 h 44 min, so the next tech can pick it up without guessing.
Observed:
12 h 53 min
